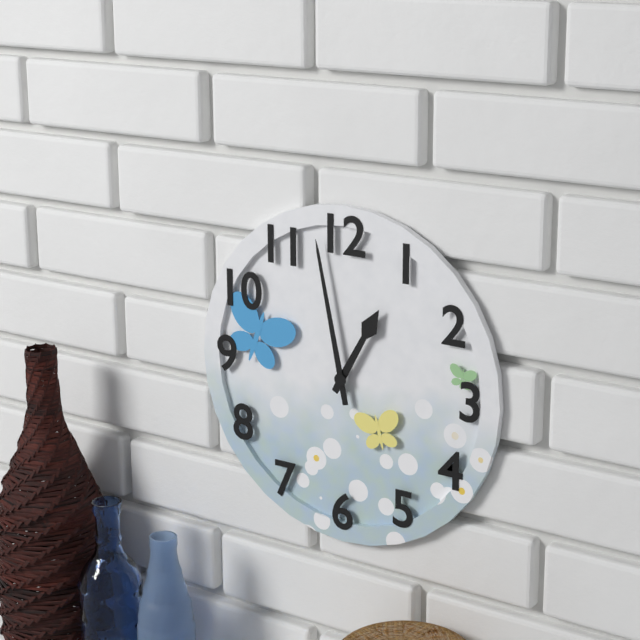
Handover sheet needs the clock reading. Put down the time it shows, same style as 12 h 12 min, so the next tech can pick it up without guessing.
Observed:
12 h 58 min
